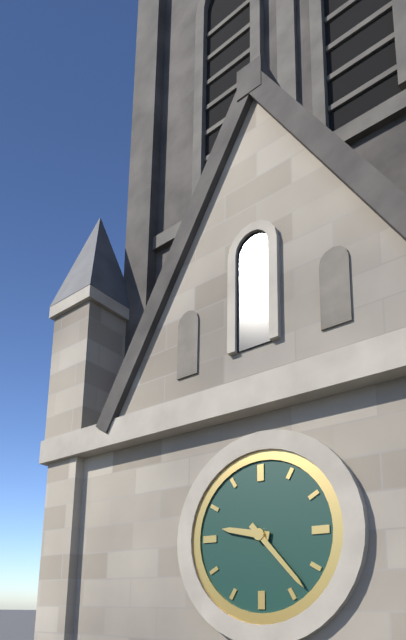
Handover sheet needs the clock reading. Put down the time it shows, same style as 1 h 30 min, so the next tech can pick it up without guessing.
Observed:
9 h 23 min
